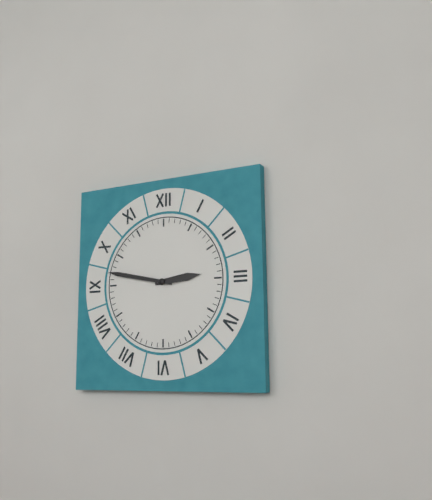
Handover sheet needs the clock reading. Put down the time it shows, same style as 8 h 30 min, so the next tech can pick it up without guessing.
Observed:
2 h 47 min
